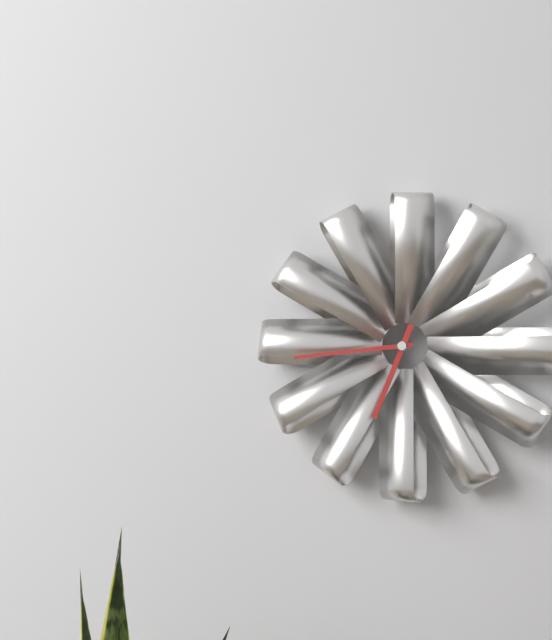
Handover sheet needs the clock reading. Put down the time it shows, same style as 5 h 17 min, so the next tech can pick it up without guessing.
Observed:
6 h 44 min
